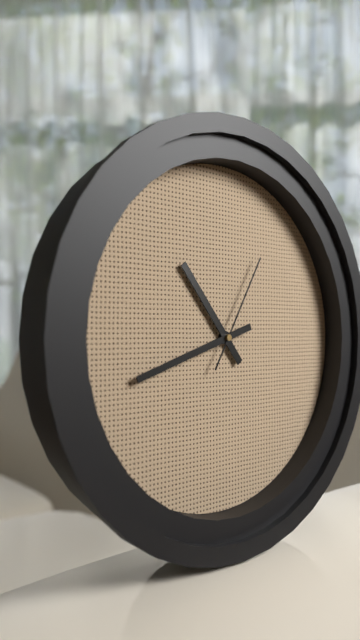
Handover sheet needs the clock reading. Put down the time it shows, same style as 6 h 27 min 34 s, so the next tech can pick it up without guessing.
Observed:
10 h 42 min 05 s
